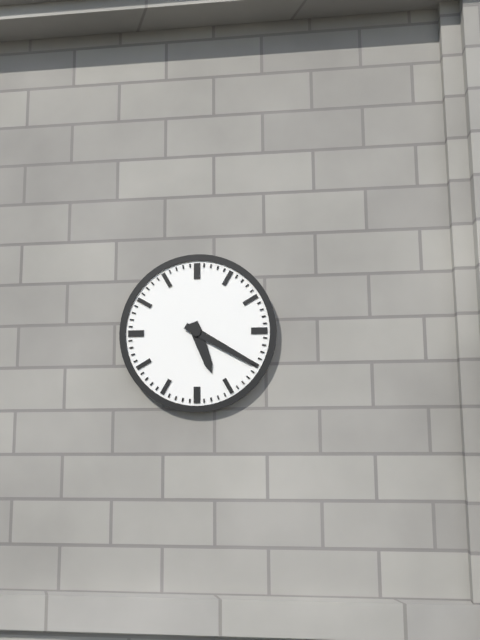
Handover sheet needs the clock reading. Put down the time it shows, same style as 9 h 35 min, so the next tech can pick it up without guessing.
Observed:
5 h 20 min
